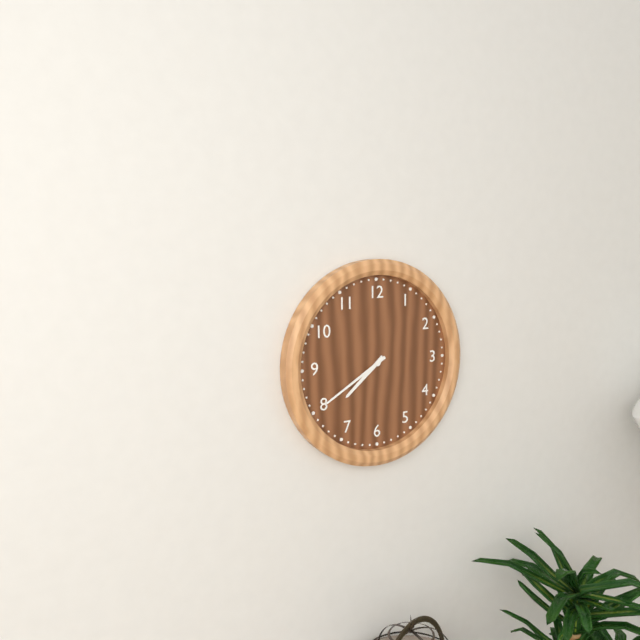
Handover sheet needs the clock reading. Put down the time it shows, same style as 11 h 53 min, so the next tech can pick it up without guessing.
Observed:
7 h 40 min
